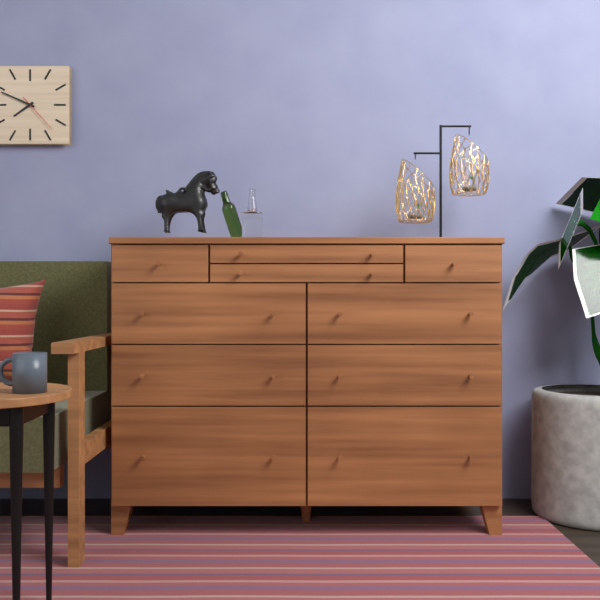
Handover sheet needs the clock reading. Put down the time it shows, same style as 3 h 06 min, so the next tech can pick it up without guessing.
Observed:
7 h 49 min
